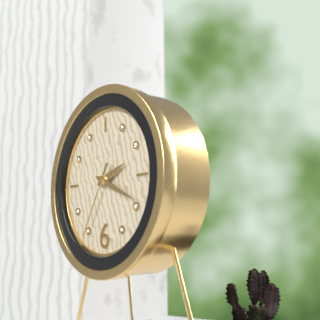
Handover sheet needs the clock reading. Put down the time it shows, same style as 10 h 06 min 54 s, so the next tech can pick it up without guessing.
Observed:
2 h 19 min 35 s
